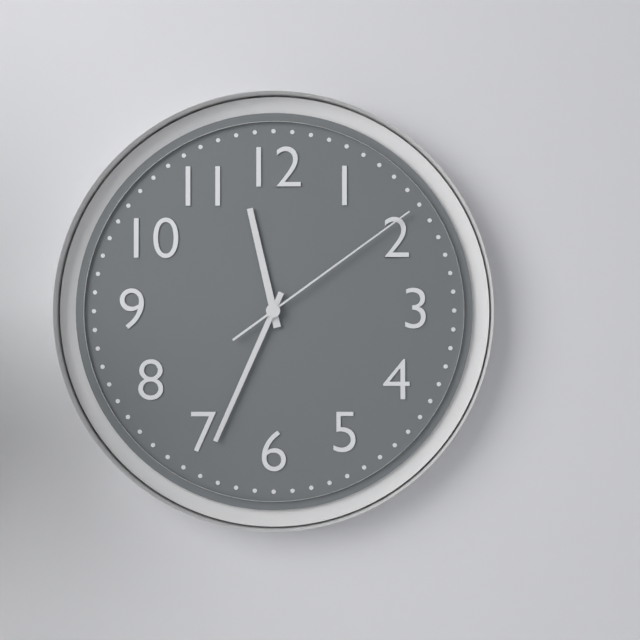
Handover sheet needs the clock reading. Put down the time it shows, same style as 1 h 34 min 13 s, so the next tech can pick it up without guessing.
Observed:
11 h 34 min 09 s
